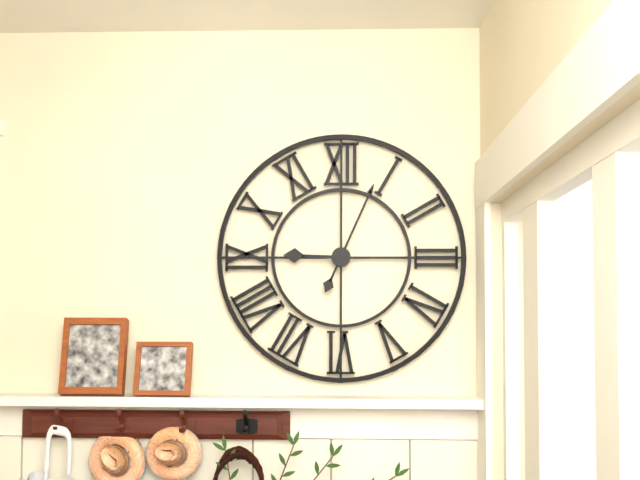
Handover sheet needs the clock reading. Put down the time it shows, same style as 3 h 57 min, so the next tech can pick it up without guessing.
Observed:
9 h 04 min
